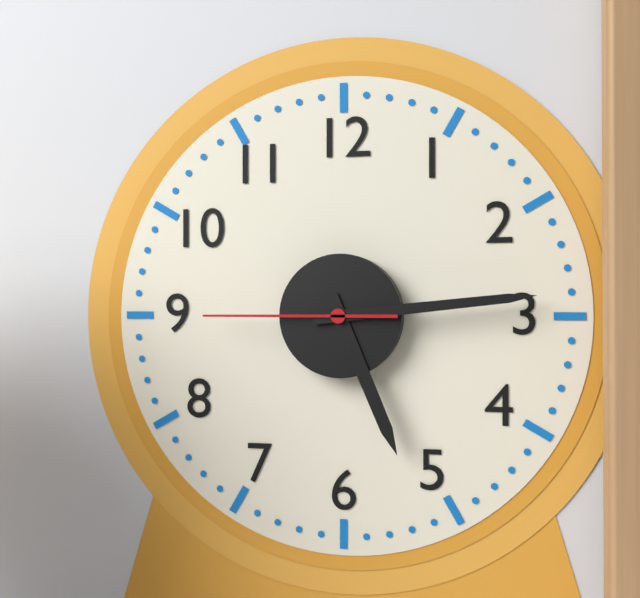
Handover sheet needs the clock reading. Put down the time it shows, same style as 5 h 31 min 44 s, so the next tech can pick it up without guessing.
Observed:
5 h 14 min 45 s
